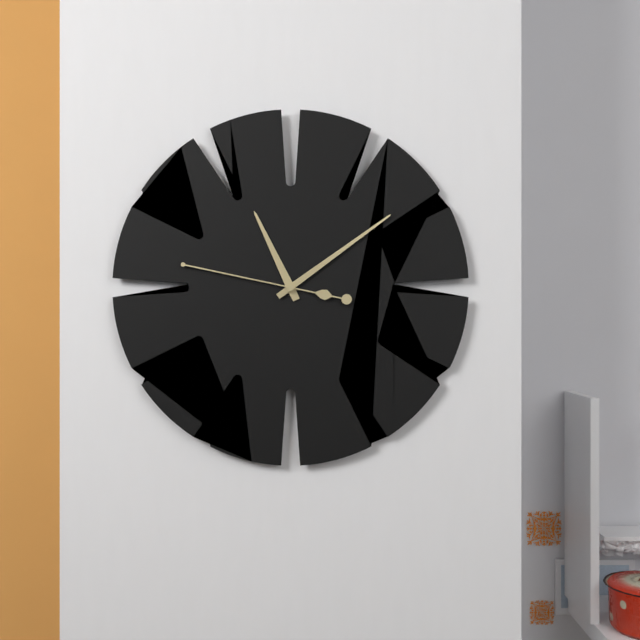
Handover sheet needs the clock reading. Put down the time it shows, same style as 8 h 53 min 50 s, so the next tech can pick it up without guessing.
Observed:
11 h 09 min 47 s
